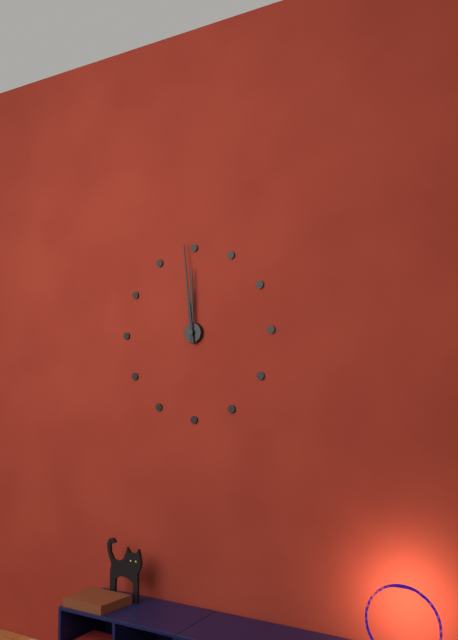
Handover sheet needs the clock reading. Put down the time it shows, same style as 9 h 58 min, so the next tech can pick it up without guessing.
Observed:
11 h 59 min
